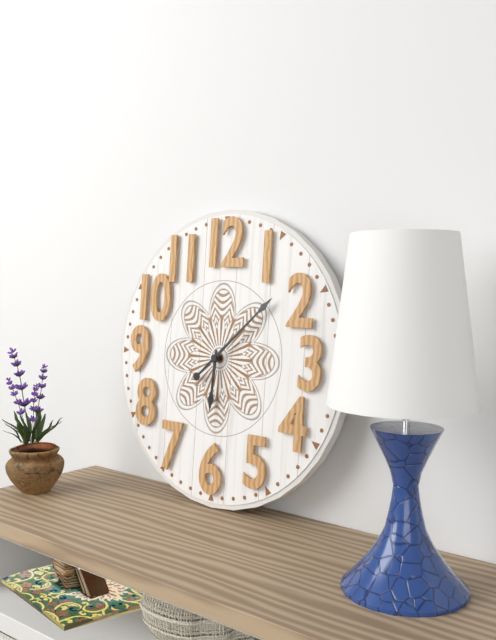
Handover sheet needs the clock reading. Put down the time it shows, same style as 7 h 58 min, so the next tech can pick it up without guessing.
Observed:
6 h 08 min
